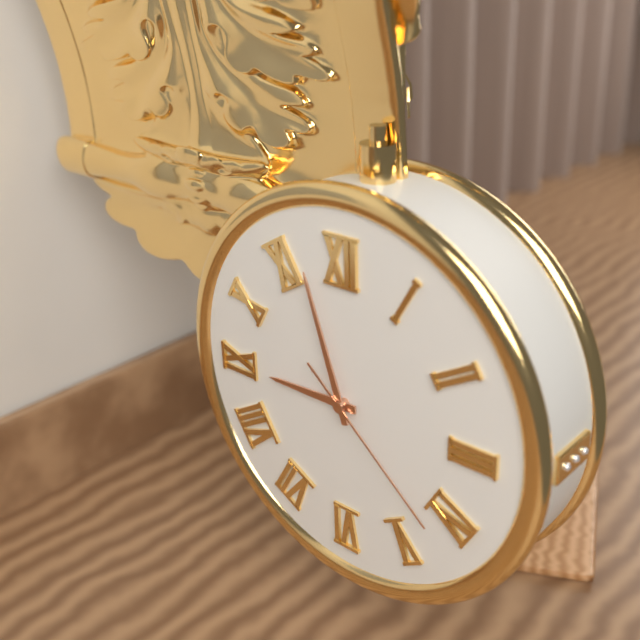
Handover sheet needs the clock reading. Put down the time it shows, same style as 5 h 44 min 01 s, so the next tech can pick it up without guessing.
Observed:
8 h 57 min 22 s
